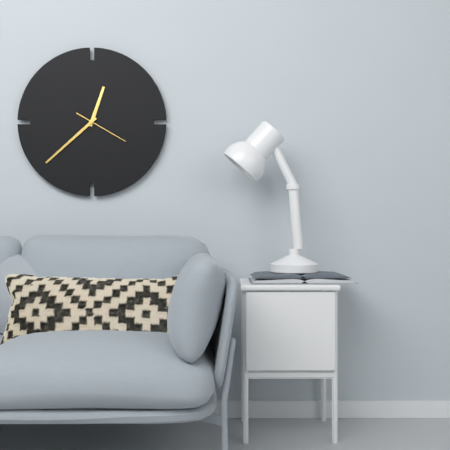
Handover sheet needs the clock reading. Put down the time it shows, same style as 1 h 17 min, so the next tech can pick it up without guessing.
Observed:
12 h 38 min
